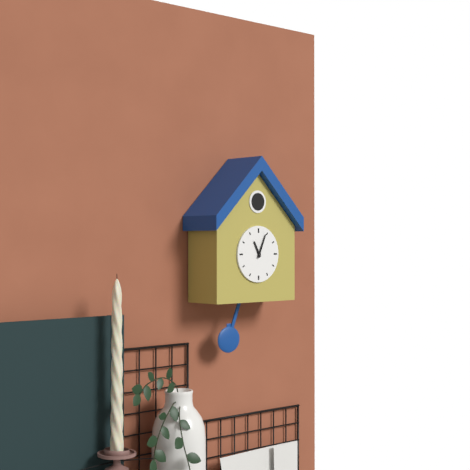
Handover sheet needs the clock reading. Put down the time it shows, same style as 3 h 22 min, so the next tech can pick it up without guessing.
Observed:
11 h 04 min
